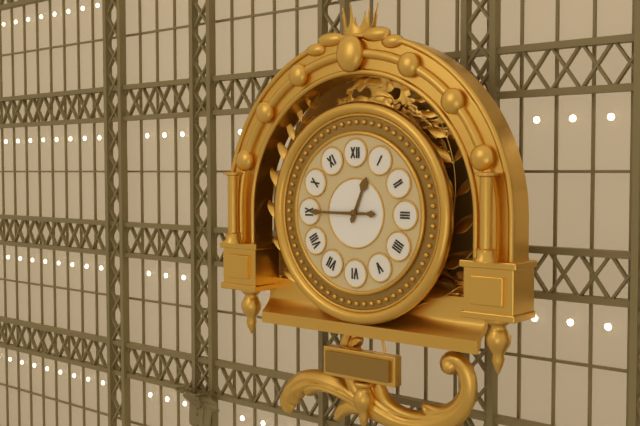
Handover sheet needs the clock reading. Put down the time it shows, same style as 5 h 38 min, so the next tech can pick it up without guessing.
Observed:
12 h 45 min
